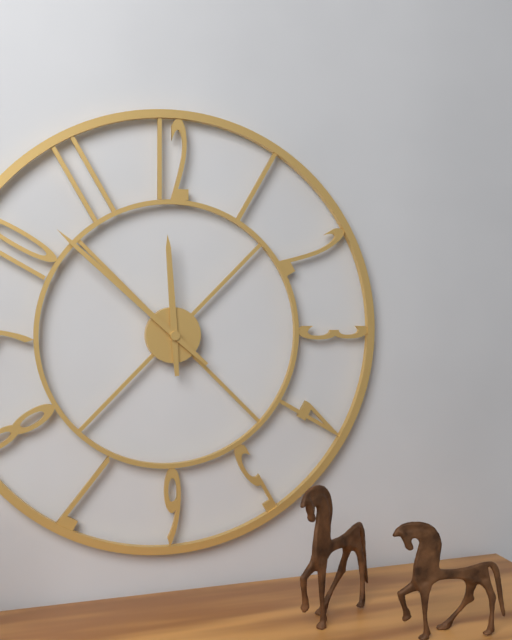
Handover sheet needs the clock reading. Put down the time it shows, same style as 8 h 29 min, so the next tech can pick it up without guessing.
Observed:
11 h 52 min
